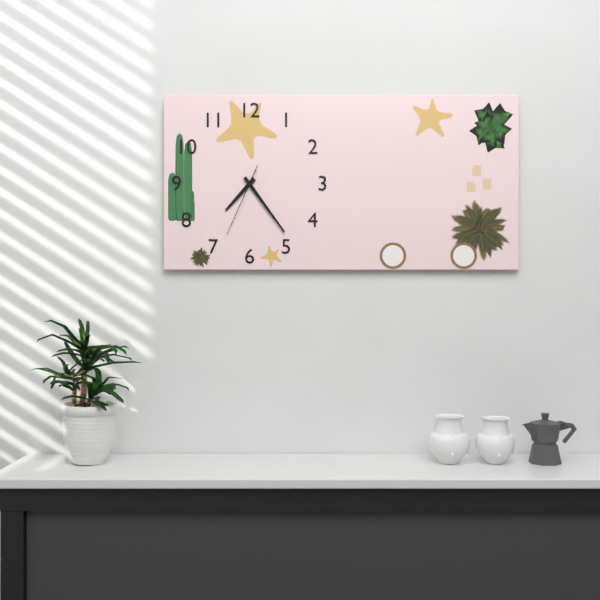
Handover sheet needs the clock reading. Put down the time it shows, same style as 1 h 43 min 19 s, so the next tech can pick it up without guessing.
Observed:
7 h 24 min 34 s
